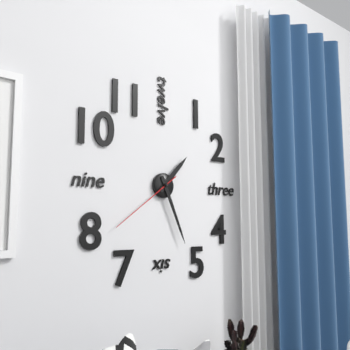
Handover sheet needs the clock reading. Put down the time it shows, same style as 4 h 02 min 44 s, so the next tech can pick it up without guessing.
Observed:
1 h 26 min 39 s
